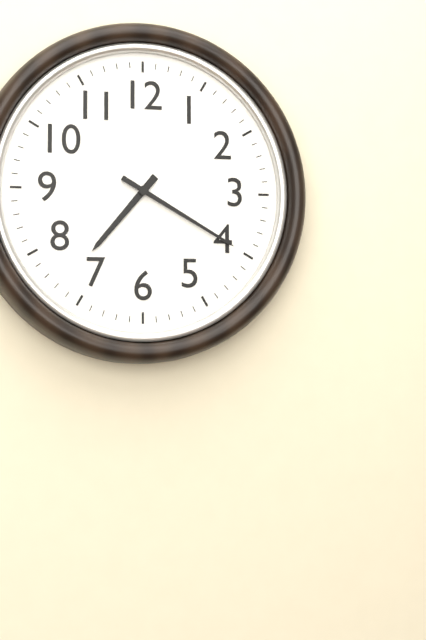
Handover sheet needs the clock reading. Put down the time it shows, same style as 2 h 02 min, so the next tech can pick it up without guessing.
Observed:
7 h 20 min
